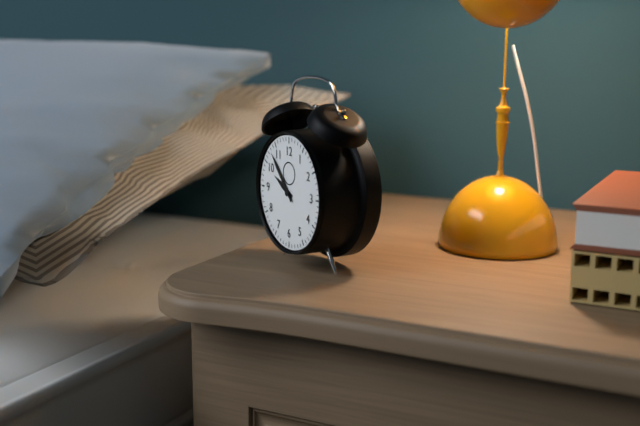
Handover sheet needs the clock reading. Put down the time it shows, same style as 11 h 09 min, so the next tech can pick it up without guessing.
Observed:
9 h 53 min
